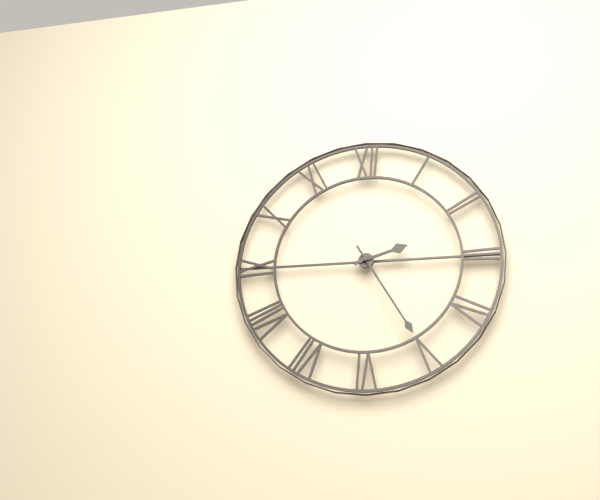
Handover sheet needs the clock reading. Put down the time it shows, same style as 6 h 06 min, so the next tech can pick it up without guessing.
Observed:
2 h 25 min
